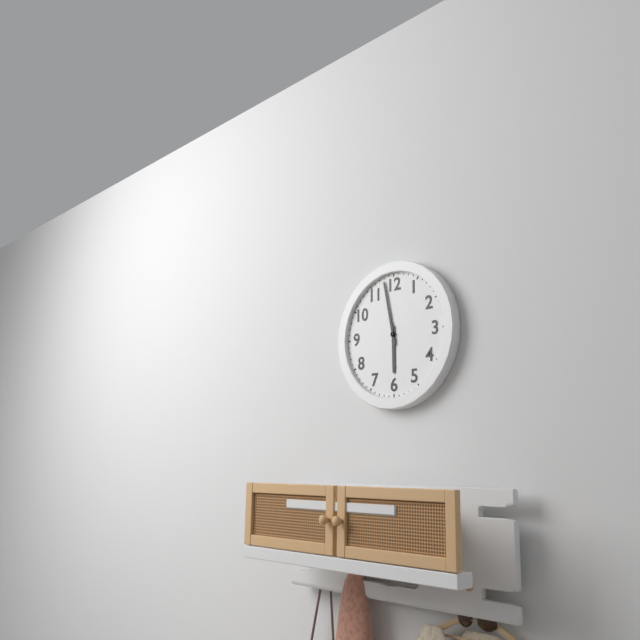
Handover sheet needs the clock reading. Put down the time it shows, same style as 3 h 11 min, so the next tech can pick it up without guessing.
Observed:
5 h 58 min
